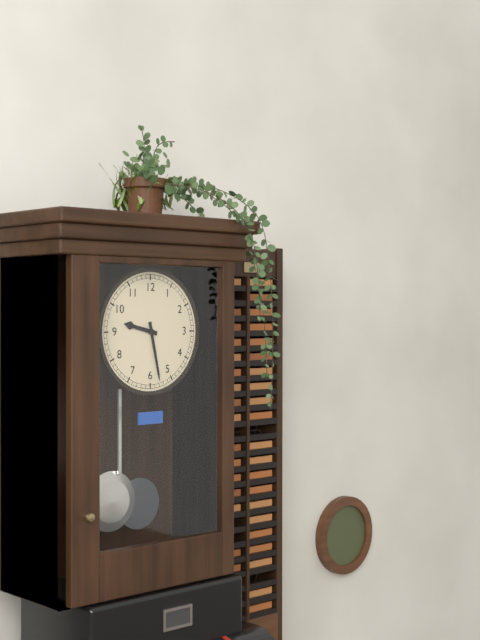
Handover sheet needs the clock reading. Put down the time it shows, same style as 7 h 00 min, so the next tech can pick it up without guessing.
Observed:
9 h 28 min
